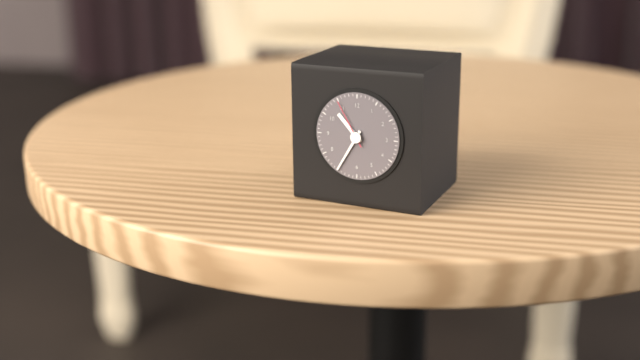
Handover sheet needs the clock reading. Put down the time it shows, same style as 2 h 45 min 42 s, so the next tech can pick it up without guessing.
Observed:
10 h 35 min 55 s
